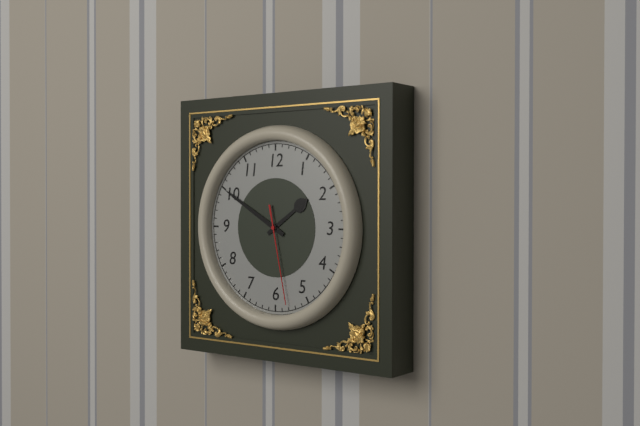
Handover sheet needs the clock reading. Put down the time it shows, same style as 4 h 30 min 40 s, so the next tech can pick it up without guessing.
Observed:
1 h 50 min 28 s
